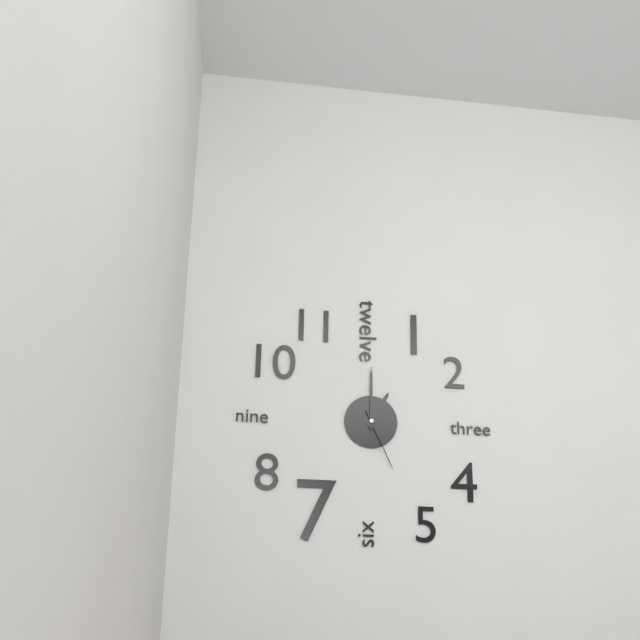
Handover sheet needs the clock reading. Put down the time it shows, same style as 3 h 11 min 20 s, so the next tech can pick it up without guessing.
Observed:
1 h 00 min 26 s
